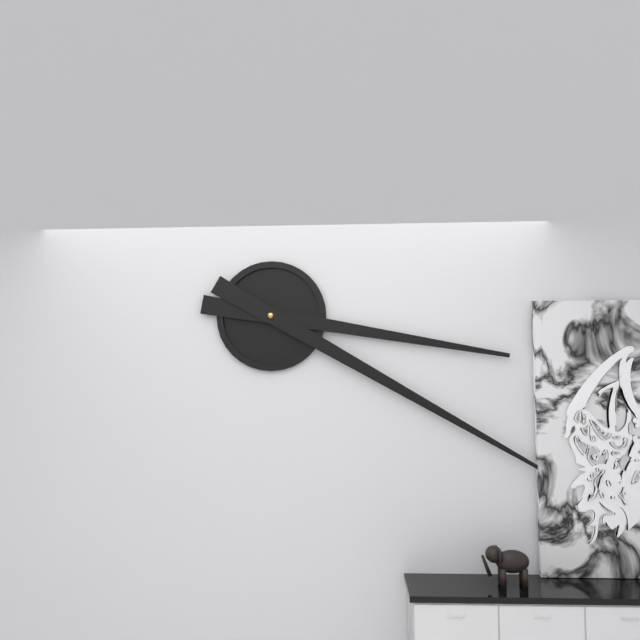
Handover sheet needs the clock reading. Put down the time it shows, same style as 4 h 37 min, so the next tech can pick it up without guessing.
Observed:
3 h 20 min
